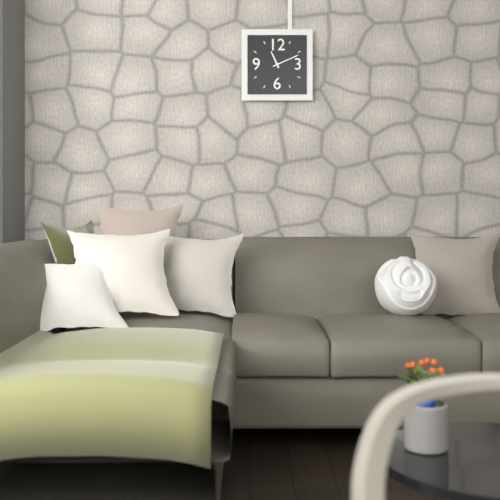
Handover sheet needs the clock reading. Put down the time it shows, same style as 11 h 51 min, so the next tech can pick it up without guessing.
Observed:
11 h 11 min
